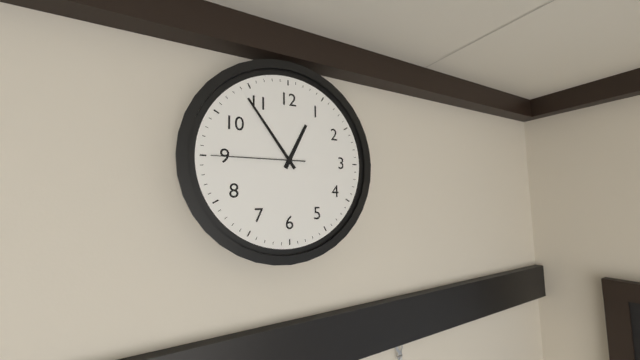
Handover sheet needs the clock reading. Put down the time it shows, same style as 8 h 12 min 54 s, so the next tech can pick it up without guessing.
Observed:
12 h 54 min 45 s
